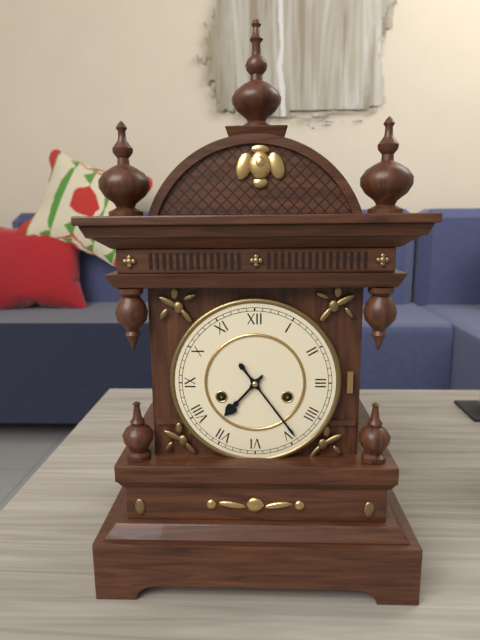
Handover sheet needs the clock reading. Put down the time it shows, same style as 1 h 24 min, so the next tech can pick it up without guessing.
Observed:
7 h 24 min
